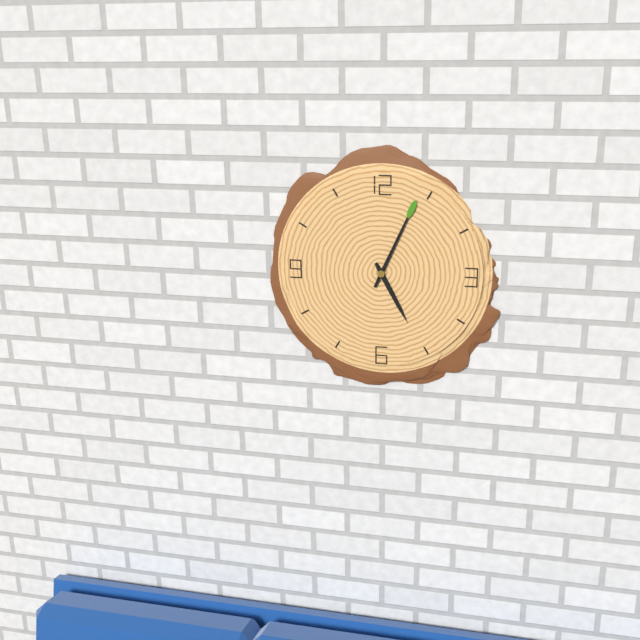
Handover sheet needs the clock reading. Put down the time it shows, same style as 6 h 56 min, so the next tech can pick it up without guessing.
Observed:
5 h 04 min
